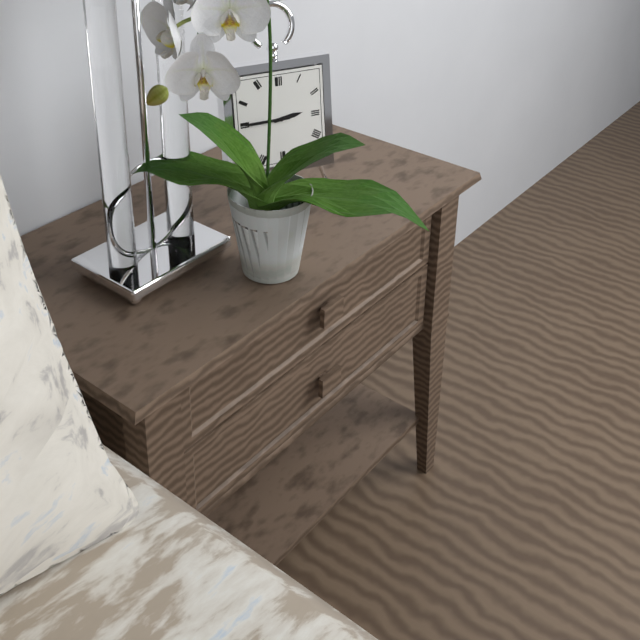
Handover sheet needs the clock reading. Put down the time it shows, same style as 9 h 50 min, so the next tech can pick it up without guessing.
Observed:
2 h 45 min
